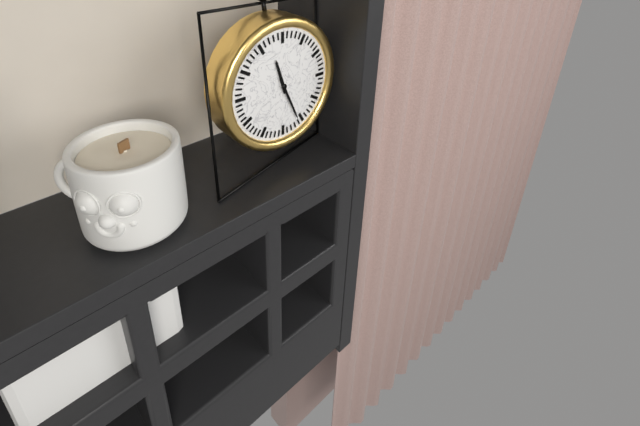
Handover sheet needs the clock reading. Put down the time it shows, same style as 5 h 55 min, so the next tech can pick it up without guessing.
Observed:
11 h 26 min
